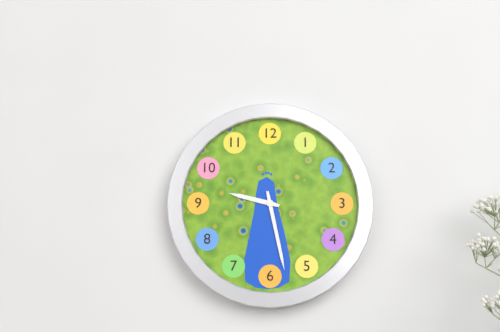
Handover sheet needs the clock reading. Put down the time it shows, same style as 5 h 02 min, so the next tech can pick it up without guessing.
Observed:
9 h 28 min
